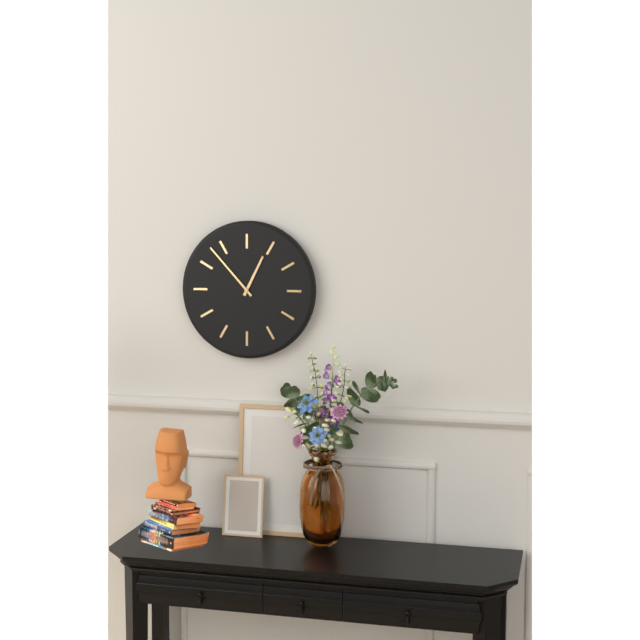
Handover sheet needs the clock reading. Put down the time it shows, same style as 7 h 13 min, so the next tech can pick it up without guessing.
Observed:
12 h 53 min
